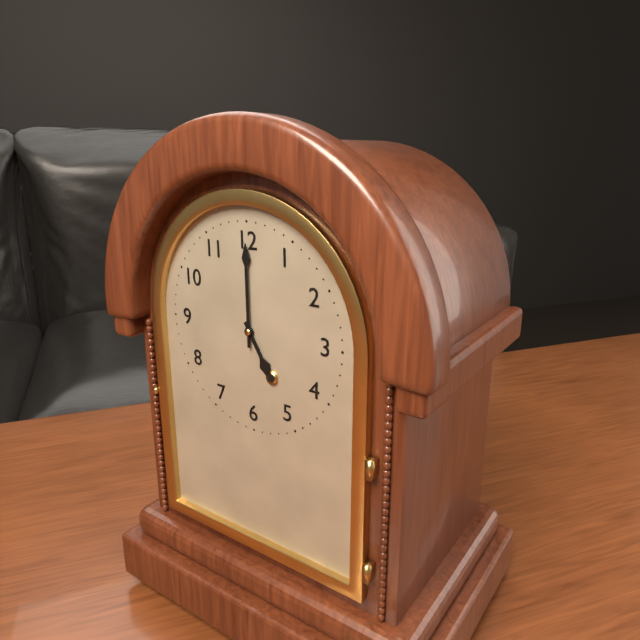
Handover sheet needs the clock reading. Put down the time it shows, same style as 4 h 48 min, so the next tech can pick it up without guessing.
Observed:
5 h 00 min
